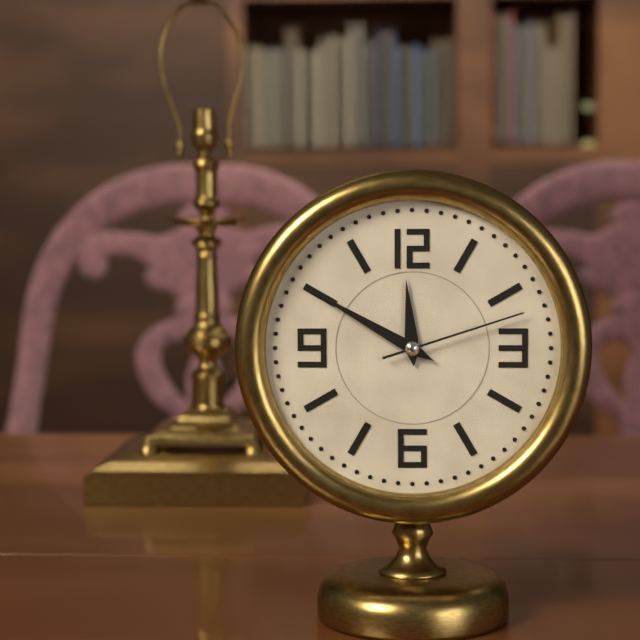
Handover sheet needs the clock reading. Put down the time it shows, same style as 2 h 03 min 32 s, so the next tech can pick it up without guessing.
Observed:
11 h 50 min 12 s
